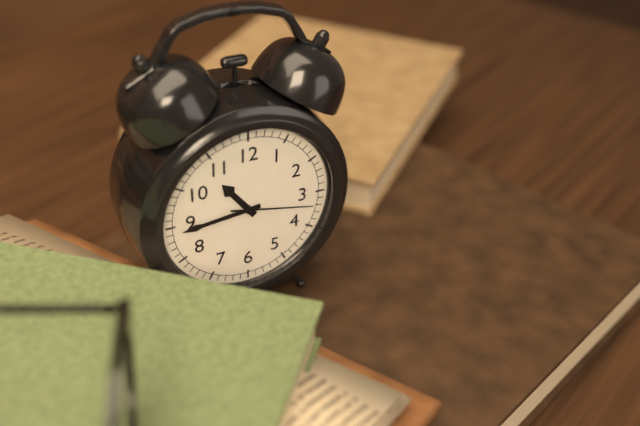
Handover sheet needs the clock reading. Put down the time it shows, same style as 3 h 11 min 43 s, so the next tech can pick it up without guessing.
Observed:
10 h 44 min 17 s
